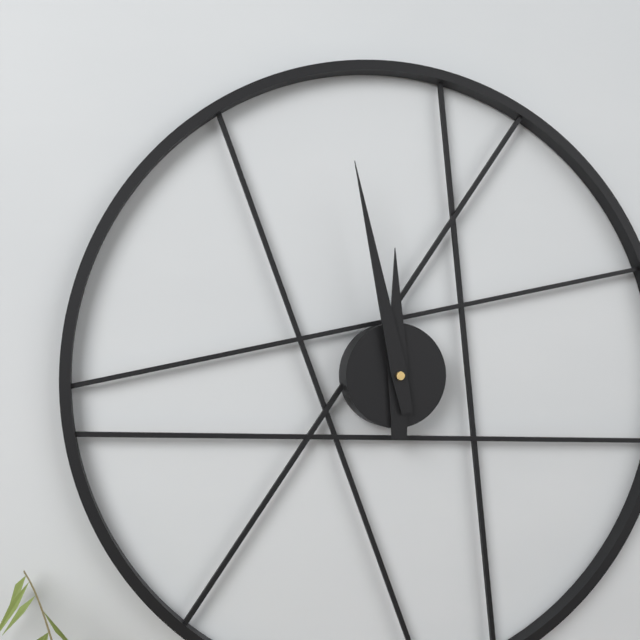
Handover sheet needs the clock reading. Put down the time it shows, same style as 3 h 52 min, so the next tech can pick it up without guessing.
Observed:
11 h 58 min
